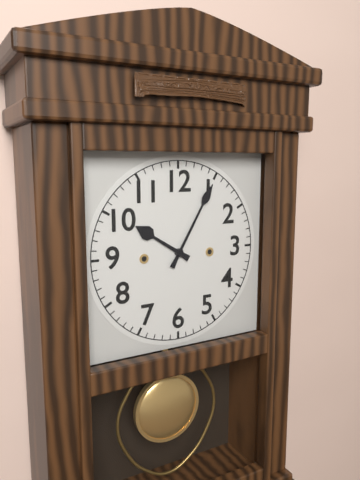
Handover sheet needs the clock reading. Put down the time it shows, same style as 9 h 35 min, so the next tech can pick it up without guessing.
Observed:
10 h 05 min
